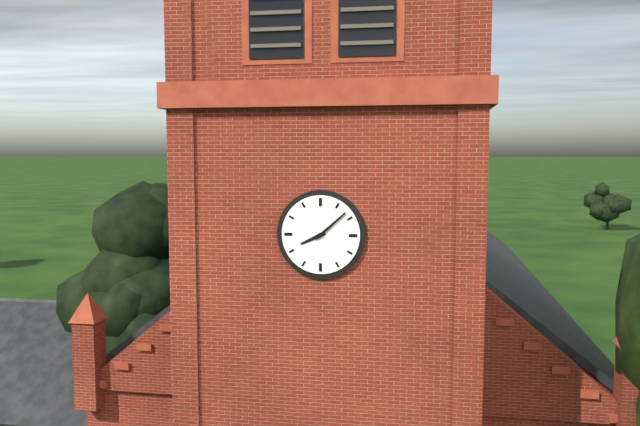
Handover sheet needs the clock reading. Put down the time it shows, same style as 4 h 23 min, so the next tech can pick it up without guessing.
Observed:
8 h 08 min
